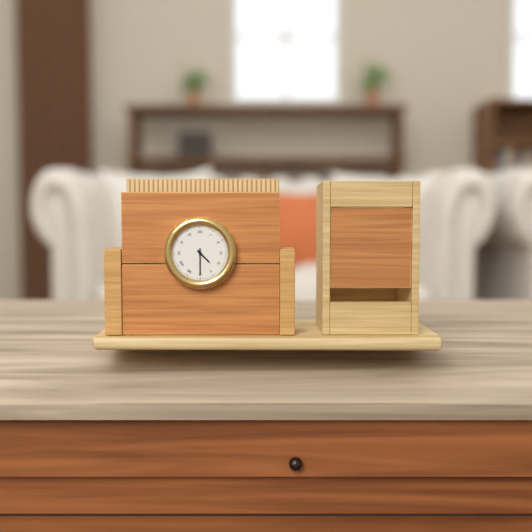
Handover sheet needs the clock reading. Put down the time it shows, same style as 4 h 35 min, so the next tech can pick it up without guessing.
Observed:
4 h 30 min
